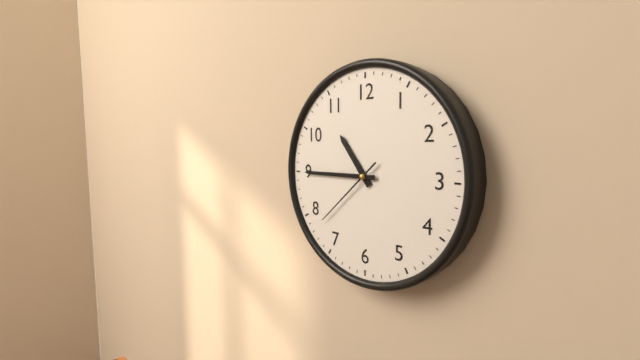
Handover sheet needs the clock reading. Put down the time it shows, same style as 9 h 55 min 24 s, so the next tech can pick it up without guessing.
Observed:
10 h 45 min 38 s
